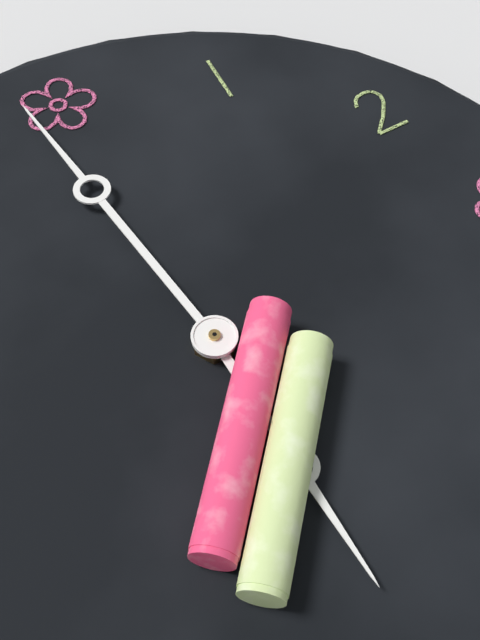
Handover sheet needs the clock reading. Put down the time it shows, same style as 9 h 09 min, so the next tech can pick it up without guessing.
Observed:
5 h 59 min
